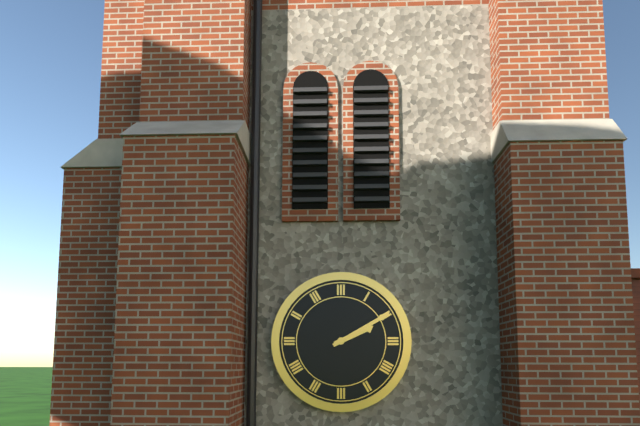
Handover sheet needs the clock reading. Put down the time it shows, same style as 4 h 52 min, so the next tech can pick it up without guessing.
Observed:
2 h 10 min
